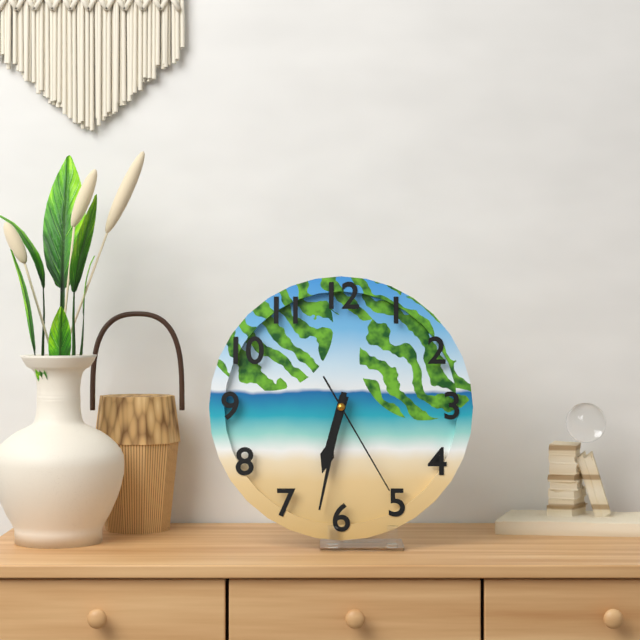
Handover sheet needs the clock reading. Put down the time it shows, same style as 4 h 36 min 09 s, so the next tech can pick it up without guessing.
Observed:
6 h 32 min 25 s
